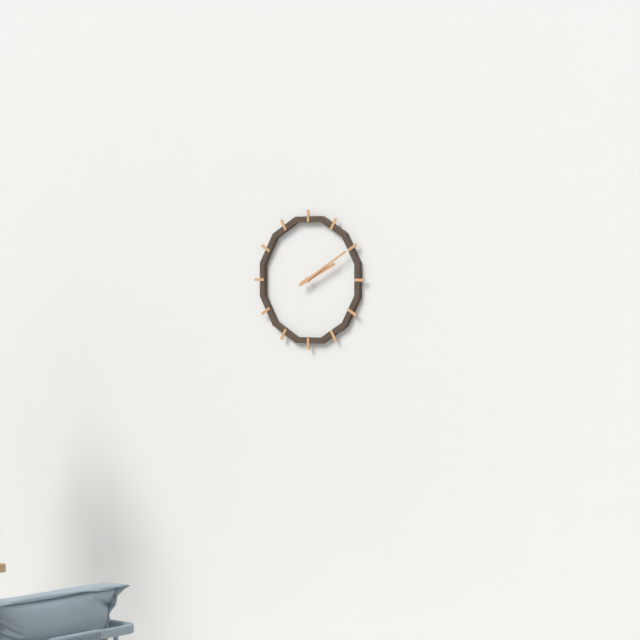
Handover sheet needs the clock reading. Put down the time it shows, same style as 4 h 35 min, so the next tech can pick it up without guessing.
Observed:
2 h 10 min
